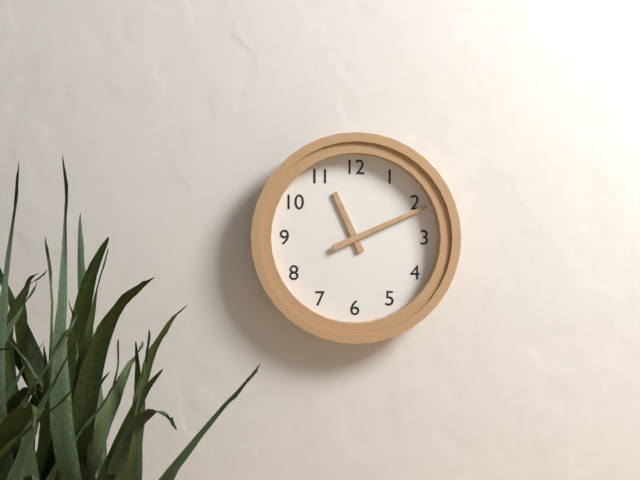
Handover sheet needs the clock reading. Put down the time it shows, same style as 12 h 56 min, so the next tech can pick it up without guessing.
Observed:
11 h 11 min
